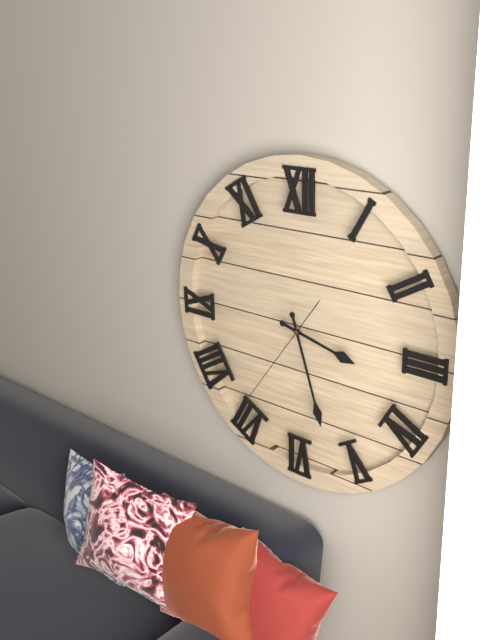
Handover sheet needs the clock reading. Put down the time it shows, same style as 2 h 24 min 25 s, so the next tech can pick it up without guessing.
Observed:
3 h 27 min 36 s
